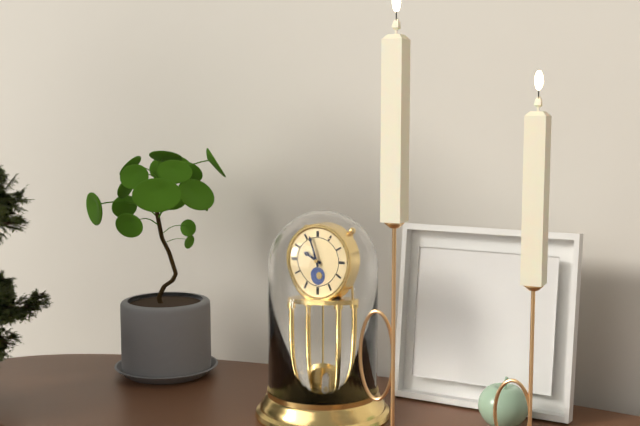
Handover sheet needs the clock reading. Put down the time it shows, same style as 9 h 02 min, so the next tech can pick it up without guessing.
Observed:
9 h 57 min
